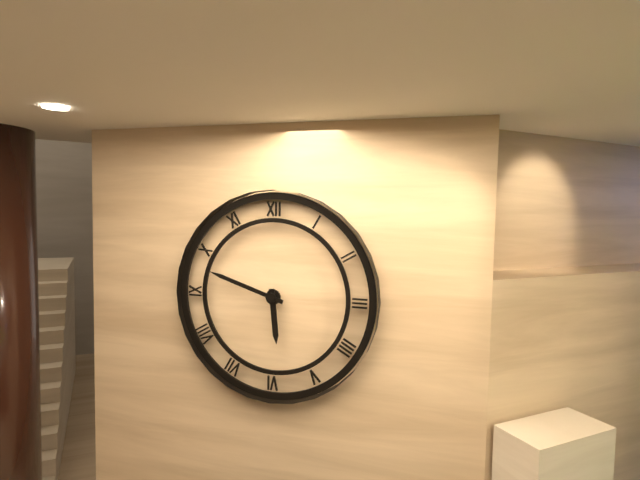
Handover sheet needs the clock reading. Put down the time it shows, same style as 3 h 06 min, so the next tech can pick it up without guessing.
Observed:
5 h 48 min
